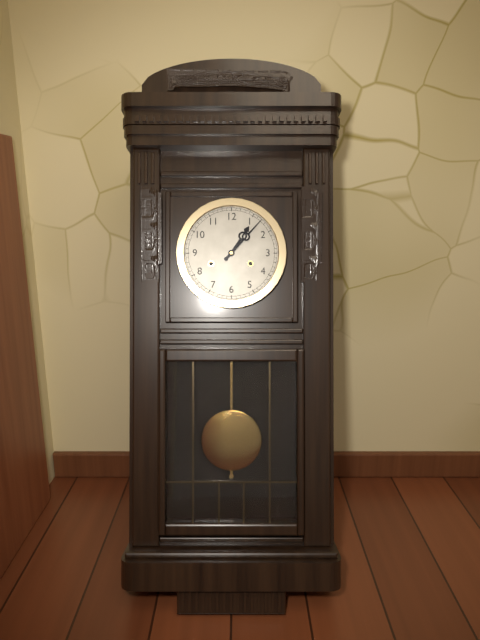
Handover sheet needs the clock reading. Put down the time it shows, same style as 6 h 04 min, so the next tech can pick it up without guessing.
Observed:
1 h 07 min
